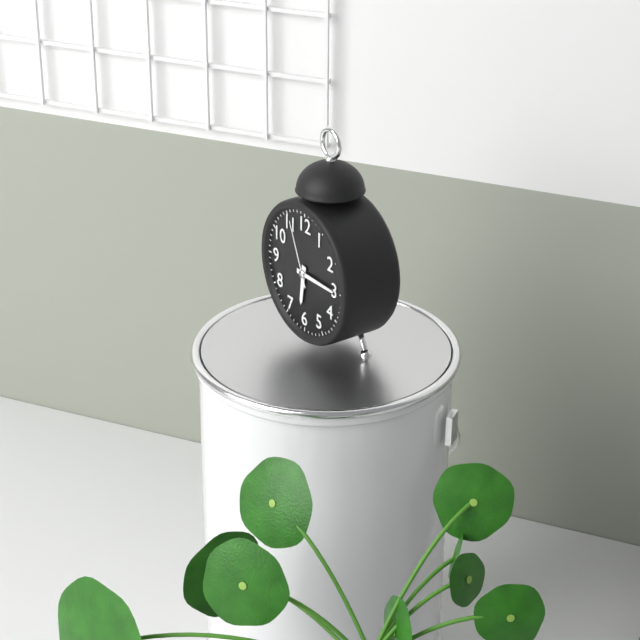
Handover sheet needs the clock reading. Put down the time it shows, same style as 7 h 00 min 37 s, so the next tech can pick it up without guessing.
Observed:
6 h 15 min 56 s
